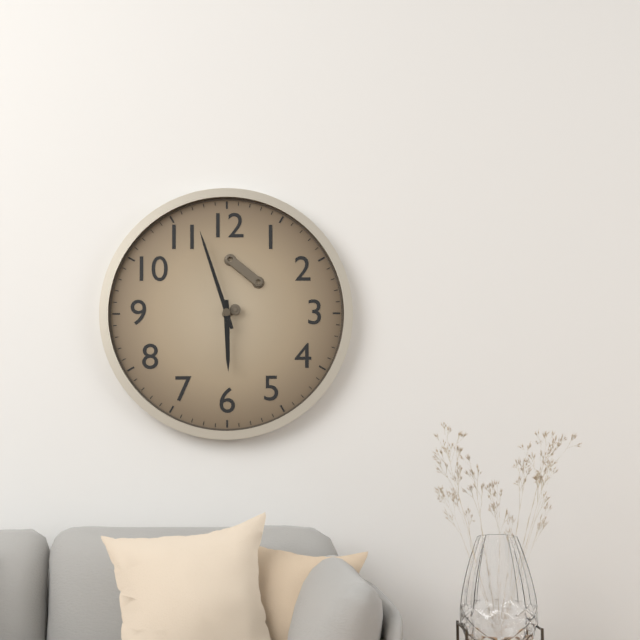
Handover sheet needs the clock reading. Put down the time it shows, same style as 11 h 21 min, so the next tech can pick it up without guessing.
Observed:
5 h 57 min
